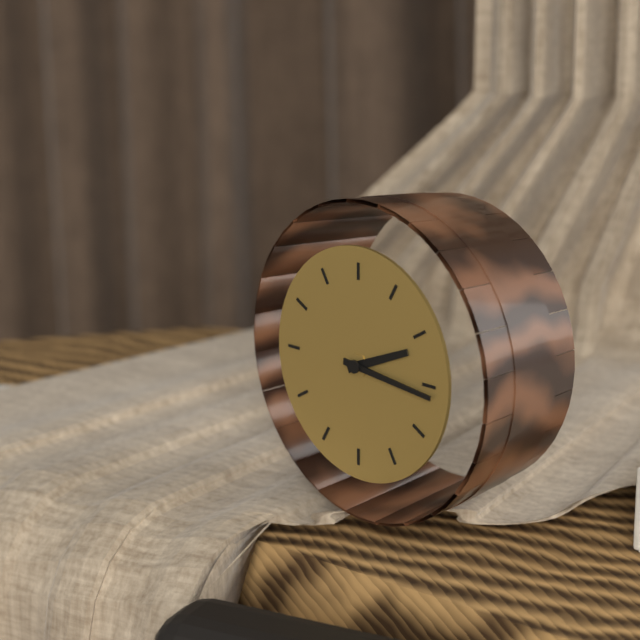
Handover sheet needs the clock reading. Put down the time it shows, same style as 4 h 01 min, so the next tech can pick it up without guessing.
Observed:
2 h 16 min
